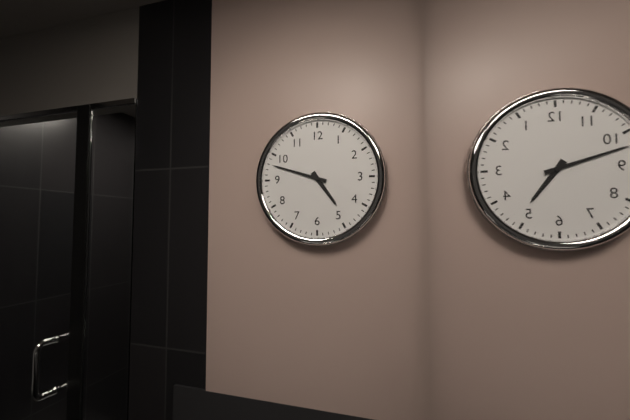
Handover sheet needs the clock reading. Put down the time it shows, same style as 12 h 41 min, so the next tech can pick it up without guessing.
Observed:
4 h 48 min
